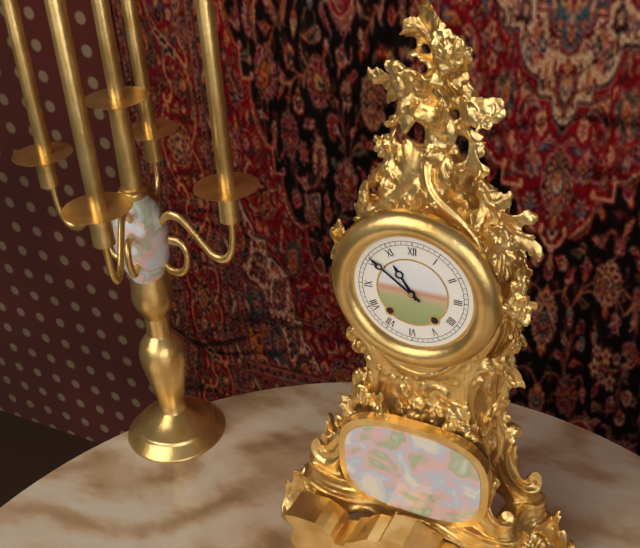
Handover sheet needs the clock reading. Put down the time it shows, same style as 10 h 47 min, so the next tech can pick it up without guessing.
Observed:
10 h 51 min
